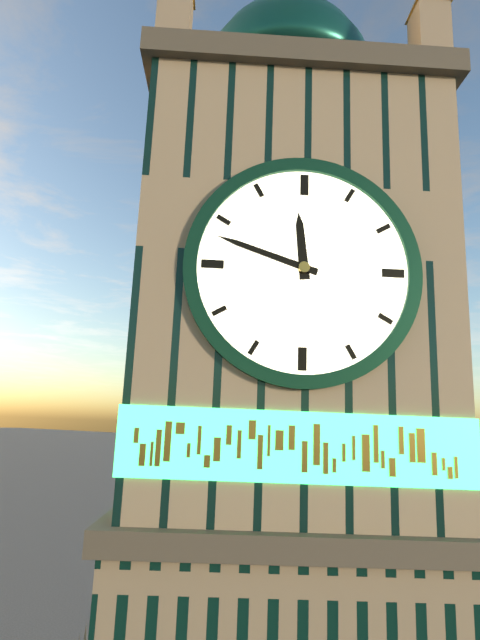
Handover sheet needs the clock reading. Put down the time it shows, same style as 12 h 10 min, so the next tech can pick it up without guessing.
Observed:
11 h 48 min
